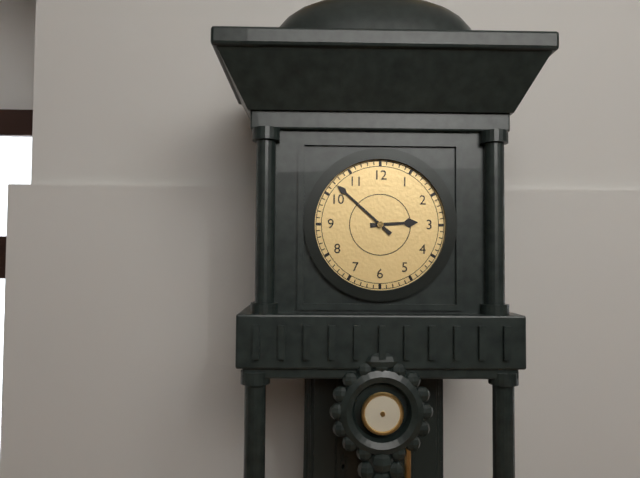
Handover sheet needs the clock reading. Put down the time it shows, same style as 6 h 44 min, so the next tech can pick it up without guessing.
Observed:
2 h 52 min
